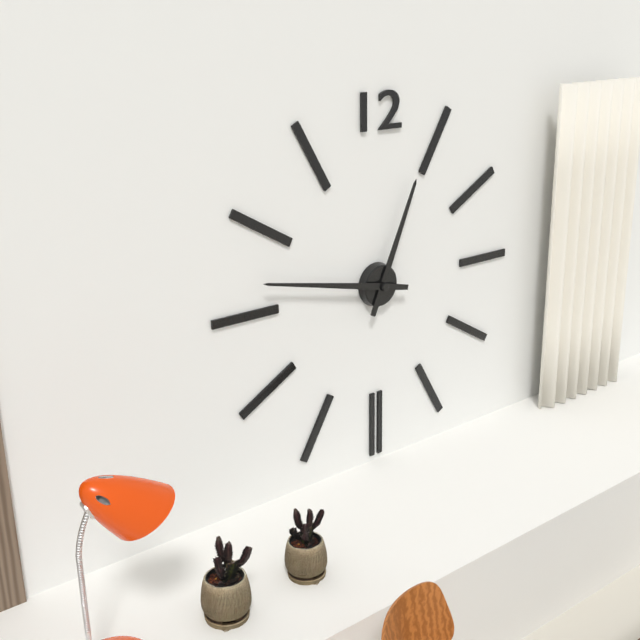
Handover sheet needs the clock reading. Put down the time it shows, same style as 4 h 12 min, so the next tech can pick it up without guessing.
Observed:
12 h 47 min
